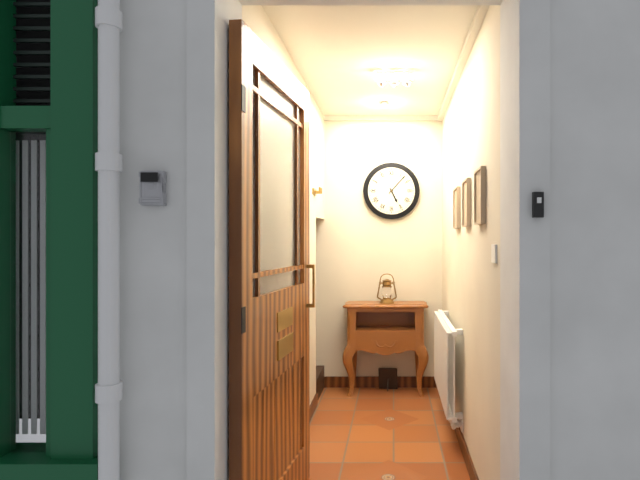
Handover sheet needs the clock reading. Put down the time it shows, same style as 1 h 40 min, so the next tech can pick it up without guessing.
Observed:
5 h 07 min
